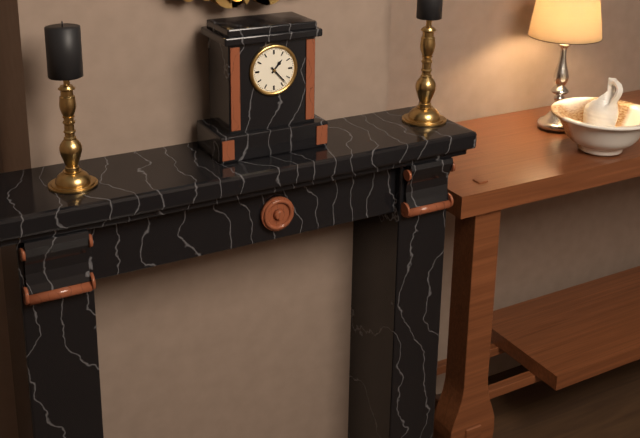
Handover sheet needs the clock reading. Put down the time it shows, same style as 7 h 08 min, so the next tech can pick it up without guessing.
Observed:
1 h 23 min
